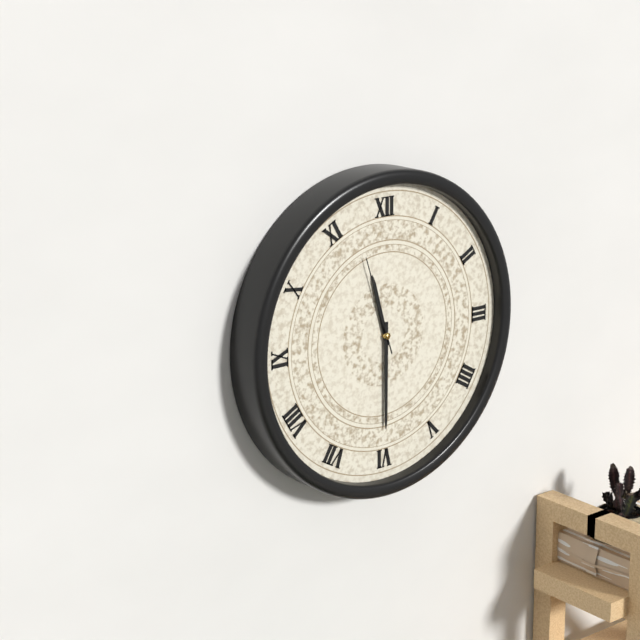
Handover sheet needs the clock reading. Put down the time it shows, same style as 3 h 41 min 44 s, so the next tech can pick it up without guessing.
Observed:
11 h 30 min 57 s
